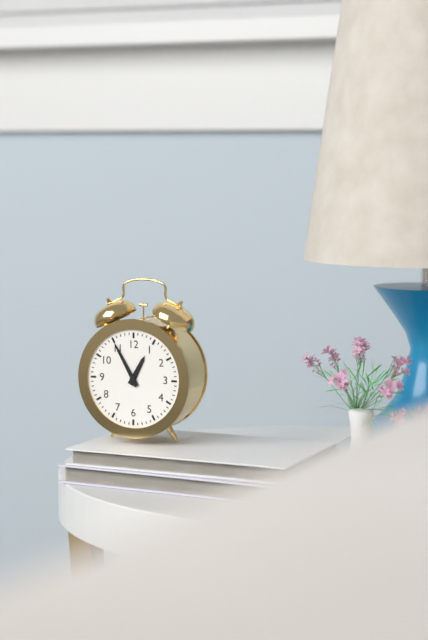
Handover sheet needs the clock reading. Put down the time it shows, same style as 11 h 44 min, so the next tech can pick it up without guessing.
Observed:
12 h 55 min
